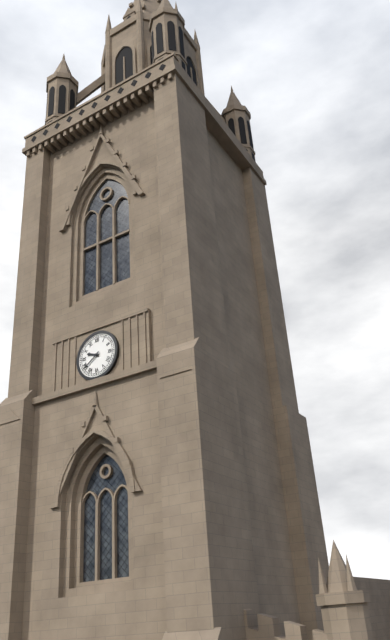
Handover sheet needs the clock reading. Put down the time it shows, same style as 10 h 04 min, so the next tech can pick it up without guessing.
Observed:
9 h 39 min
